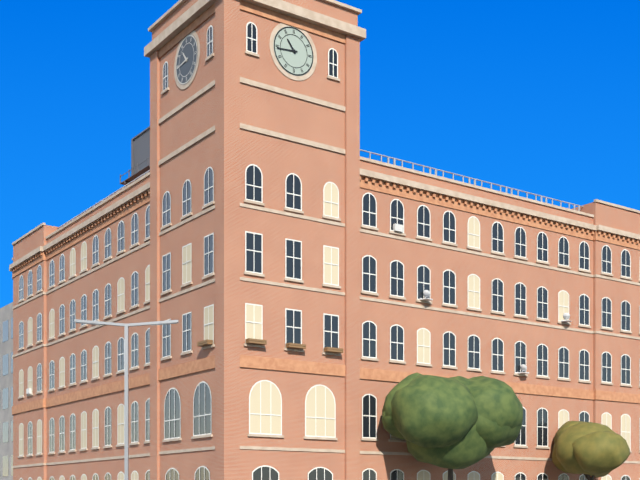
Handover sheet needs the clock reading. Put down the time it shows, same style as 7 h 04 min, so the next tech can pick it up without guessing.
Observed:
10 h 44 min
